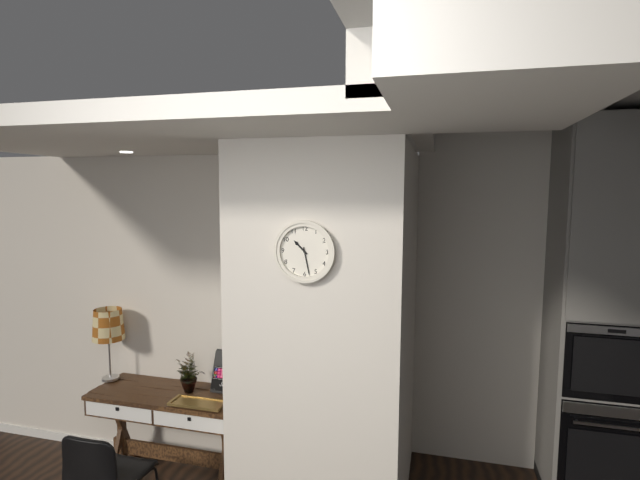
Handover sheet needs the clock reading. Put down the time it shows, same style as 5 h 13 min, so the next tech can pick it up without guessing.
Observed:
10 h 28 min
